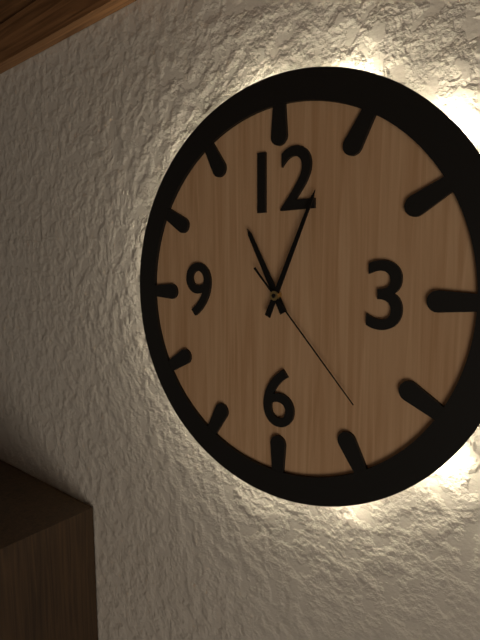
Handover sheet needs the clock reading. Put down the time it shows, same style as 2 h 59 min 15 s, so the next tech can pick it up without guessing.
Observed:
11 h 04 min 23 s
